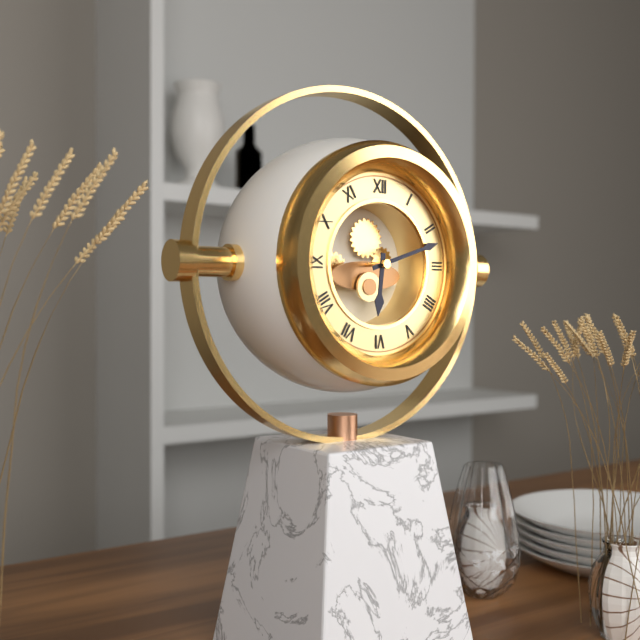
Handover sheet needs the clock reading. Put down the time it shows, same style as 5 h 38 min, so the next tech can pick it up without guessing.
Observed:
6 h 12 min
